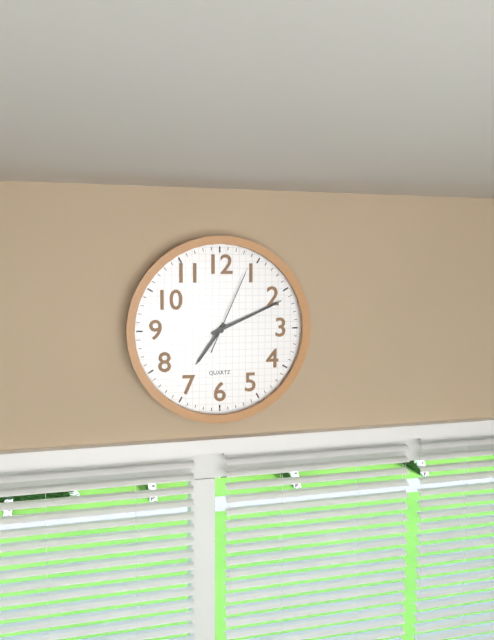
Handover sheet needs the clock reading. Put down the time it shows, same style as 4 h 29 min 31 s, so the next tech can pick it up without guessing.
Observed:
7 h 11 min 04 s
